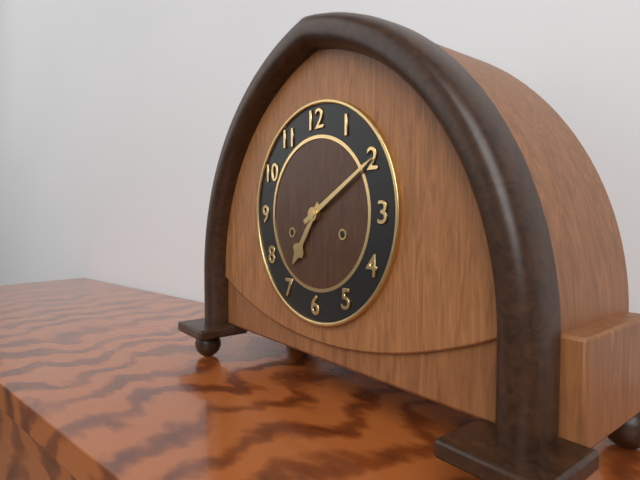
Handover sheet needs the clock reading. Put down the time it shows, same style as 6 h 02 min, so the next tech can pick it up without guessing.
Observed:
7 h 10 min
